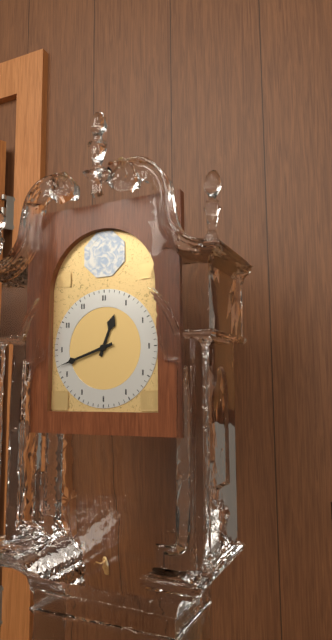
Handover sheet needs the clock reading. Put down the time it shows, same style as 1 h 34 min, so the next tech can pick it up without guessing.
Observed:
12 h 42 min
